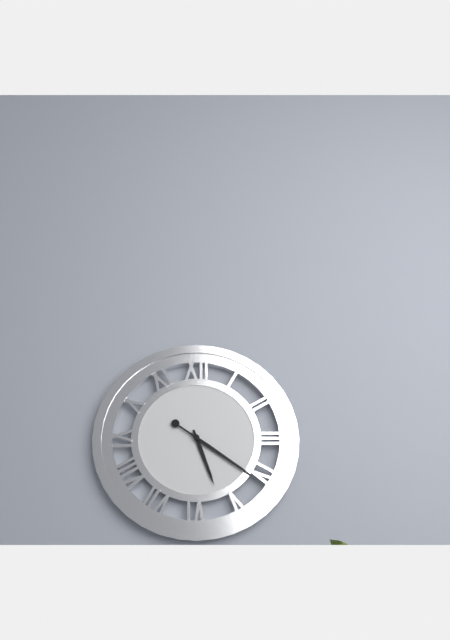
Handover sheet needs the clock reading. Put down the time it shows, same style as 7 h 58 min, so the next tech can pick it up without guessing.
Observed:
5 h 21 min
